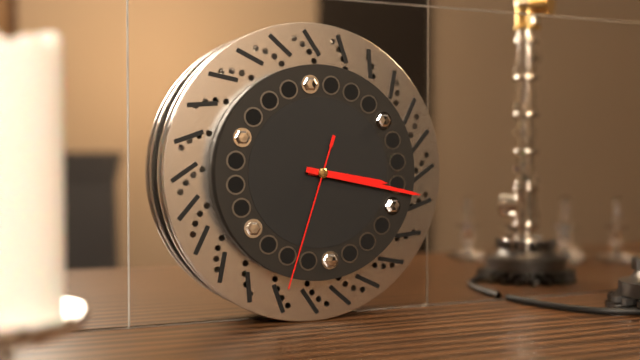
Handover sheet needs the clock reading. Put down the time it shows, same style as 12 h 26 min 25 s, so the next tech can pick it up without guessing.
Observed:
3 h 17 min 33 s
